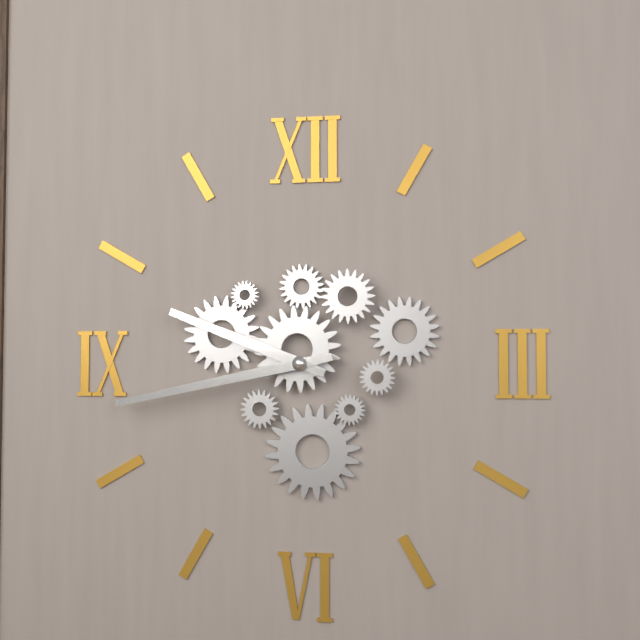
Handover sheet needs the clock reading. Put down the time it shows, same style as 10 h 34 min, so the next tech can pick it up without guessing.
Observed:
9 h 43 min
